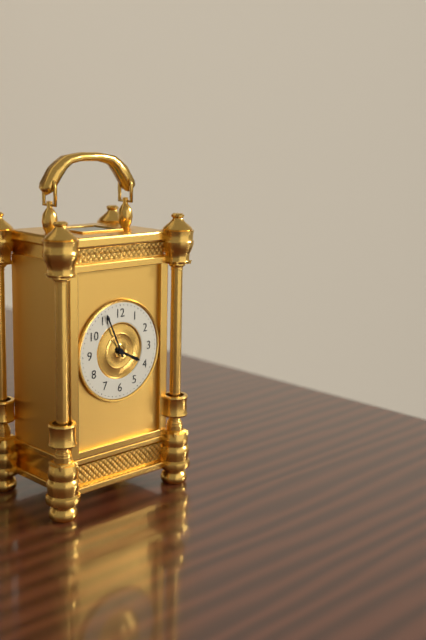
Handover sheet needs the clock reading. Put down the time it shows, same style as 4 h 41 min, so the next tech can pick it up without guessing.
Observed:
3 h 56 min
